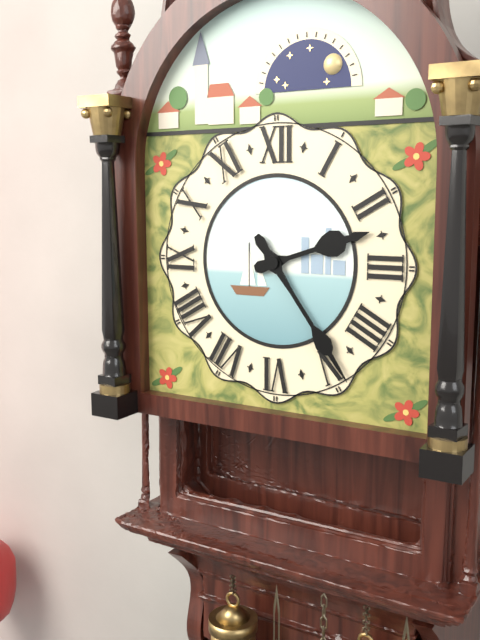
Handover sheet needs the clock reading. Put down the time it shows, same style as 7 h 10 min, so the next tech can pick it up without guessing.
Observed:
2 h 24 min
